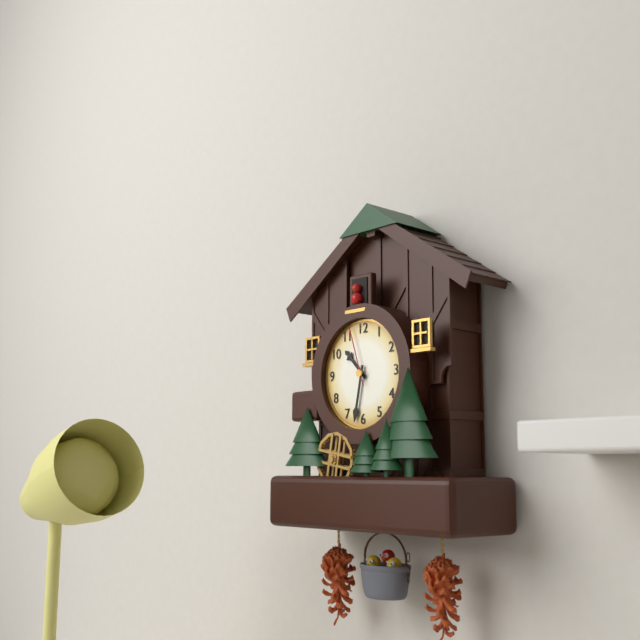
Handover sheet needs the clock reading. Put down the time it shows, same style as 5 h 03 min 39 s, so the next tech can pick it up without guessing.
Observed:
10 h 32 min 57 s
